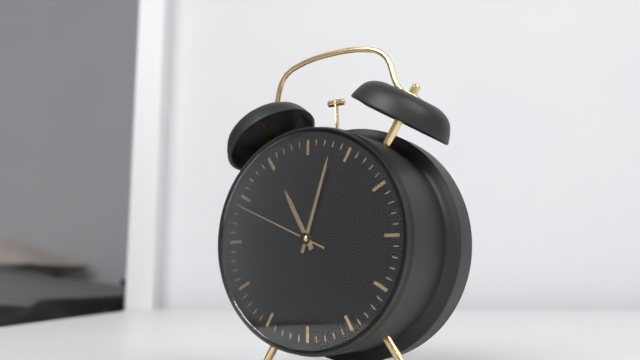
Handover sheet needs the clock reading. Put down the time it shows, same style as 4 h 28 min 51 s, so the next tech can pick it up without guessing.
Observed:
11 h 03 min 49 s
